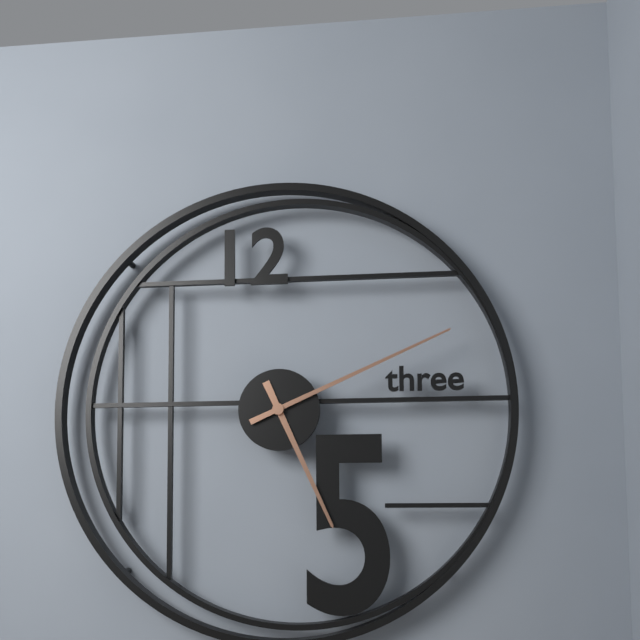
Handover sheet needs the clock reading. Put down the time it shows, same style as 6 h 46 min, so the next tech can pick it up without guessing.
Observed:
5 h 11 min
